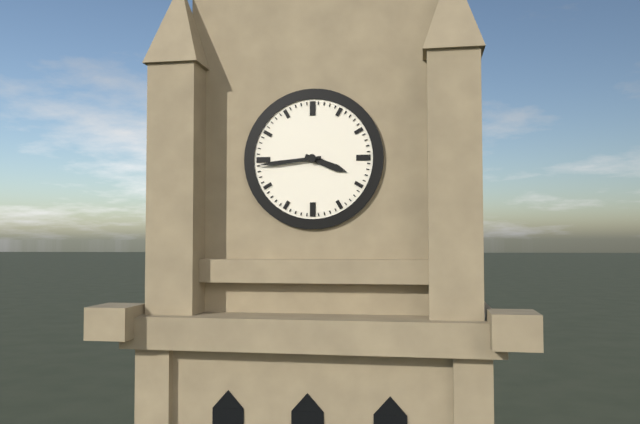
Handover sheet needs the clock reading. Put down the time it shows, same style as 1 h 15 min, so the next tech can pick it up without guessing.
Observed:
3 h 44 min
